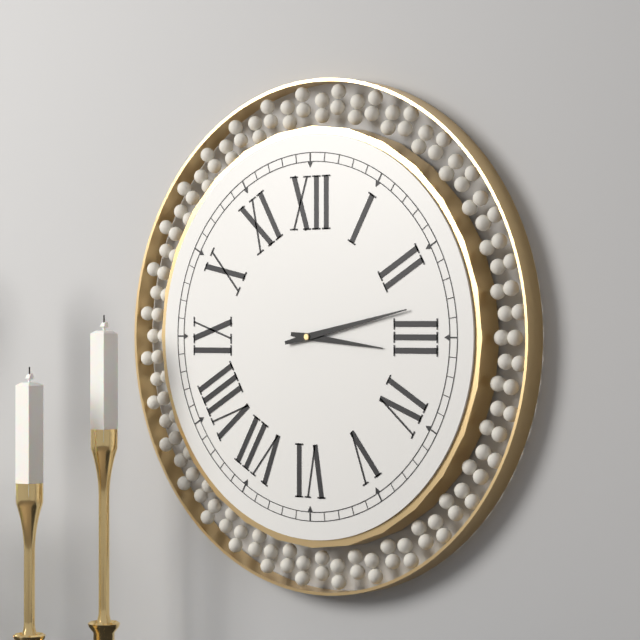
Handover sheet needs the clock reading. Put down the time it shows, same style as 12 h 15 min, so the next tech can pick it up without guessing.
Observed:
3 h 13 min
